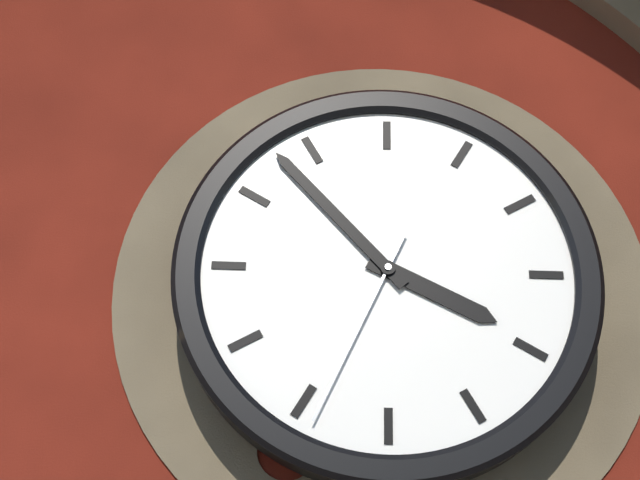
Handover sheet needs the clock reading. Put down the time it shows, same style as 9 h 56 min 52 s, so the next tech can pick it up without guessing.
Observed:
3 h 53 min 34 s
